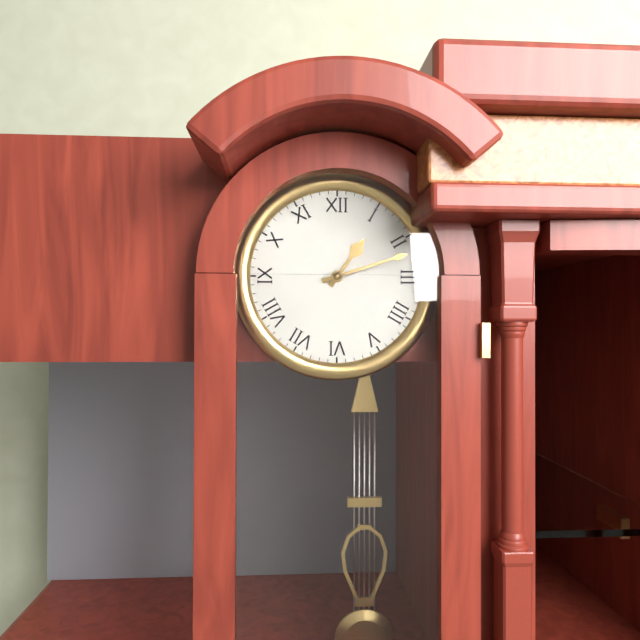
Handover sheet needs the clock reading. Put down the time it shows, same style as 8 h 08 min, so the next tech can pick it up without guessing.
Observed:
1 h 12 min
